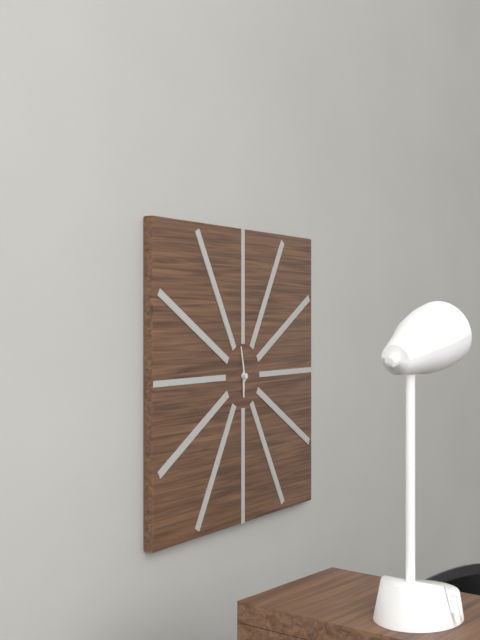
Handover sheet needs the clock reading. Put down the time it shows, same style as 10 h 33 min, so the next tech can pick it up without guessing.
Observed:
5 h 58 min
